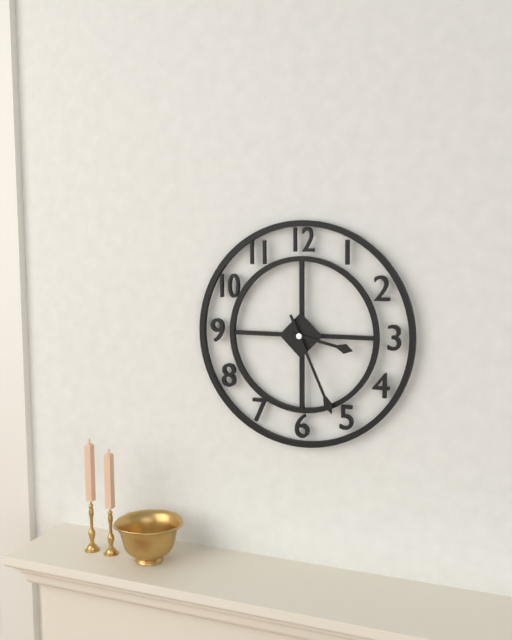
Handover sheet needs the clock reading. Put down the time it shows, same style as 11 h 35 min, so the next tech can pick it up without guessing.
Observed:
3 h 26 min
